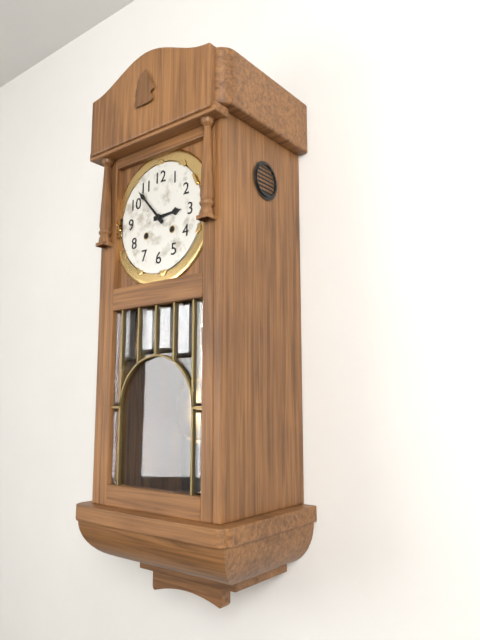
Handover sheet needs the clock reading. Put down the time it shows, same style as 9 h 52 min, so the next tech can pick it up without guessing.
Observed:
2 h 53 min
